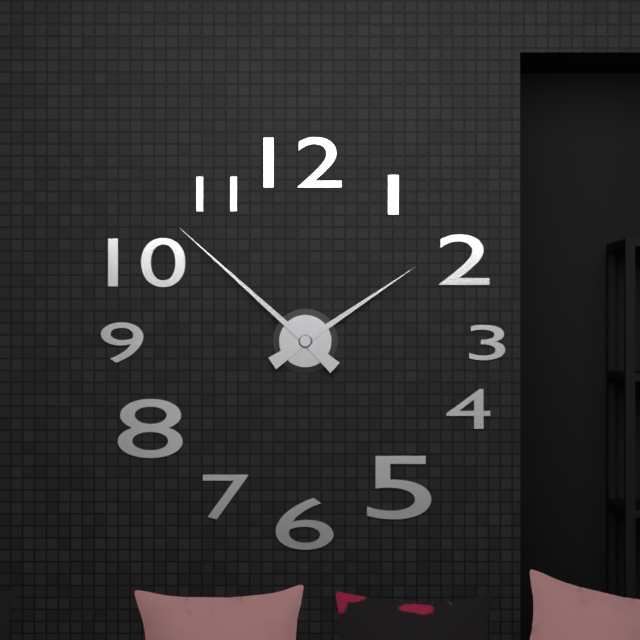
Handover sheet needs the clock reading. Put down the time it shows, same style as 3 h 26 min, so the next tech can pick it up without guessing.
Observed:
1 h 52 min
